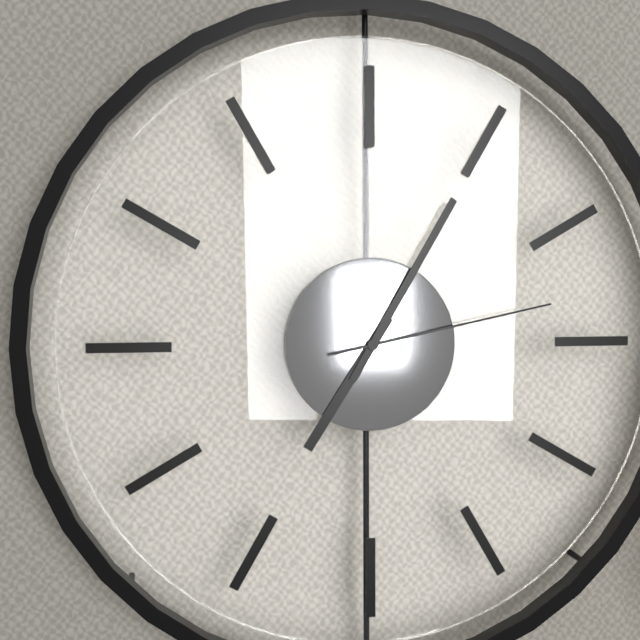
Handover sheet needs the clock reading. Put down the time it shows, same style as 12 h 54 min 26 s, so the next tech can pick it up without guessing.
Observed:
7 h 05 min 13 s
